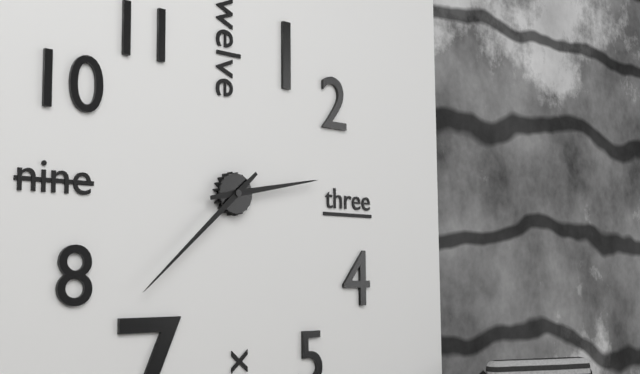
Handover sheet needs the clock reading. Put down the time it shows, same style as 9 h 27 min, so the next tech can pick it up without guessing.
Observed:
2 h 38 min
